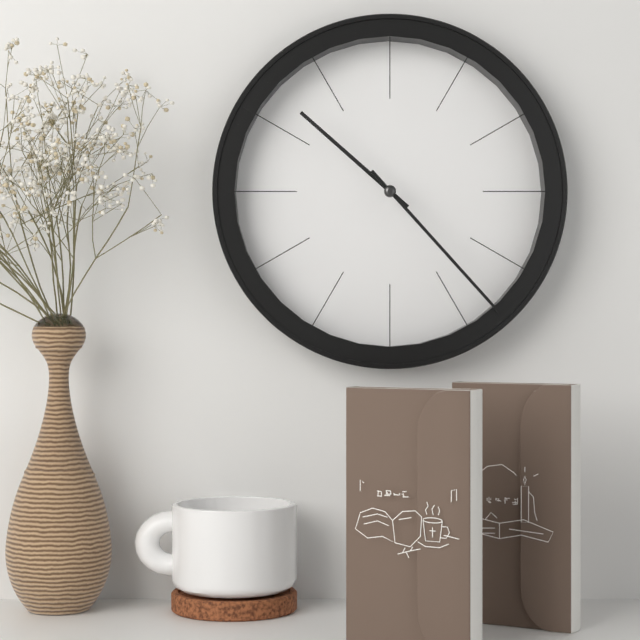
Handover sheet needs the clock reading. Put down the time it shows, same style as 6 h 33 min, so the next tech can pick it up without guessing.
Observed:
10 h 23 min
